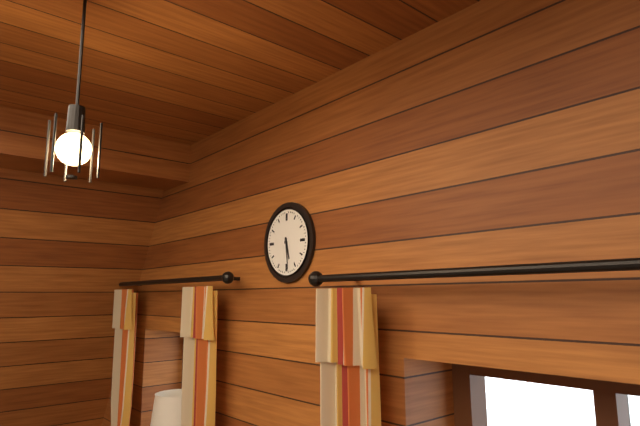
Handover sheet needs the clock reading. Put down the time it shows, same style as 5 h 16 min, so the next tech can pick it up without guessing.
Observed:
5 h 29 min
